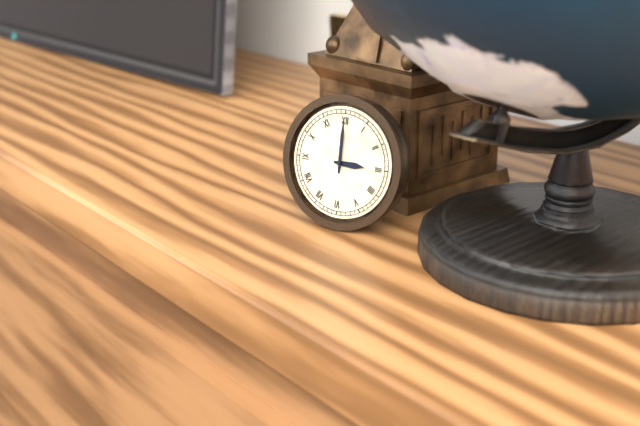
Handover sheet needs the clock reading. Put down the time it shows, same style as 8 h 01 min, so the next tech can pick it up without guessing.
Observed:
3 h 00 min
